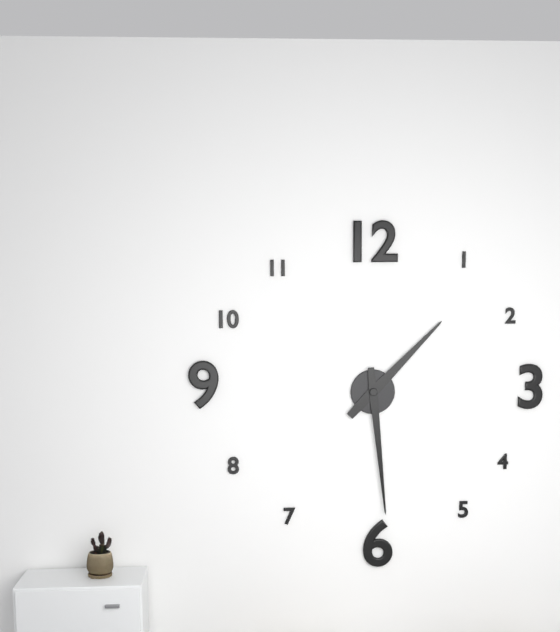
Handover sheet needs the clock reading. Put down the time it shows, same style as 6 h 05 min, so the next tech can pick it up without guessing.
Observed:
1 h 29 min
